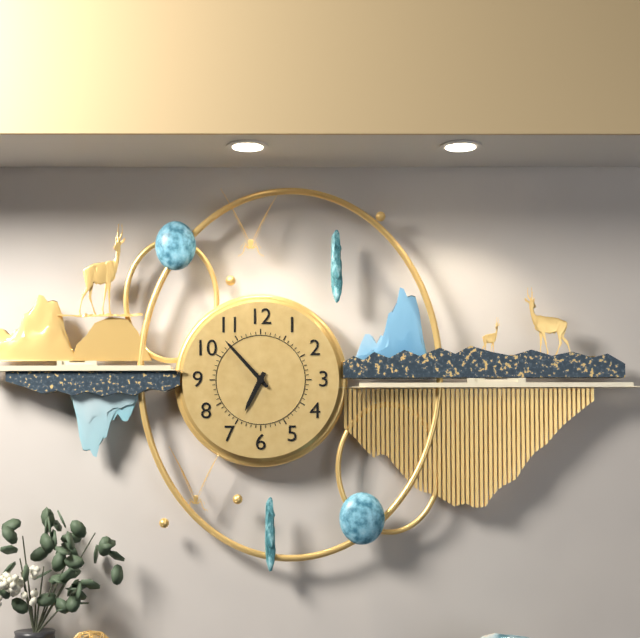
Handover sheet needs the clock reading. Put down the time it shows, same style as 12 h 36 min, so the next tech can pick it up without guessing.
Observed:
6 h 53 min
